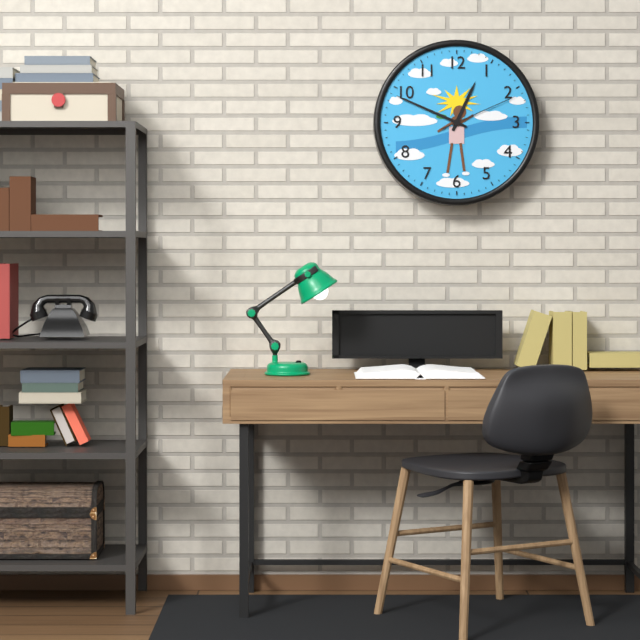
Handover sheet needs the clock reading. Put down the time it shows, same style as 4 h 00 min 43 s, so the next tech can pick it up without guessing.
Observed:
12 h 49 min 11 s
